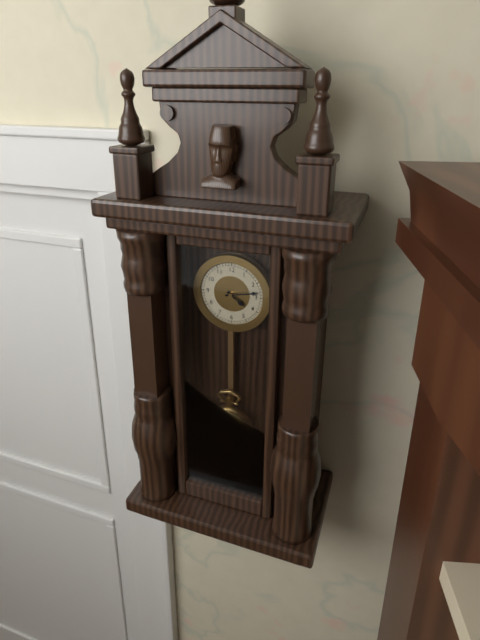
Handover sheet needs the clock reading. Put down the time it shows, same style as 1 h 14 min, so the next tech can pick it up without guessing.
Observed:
4 h 13 min
